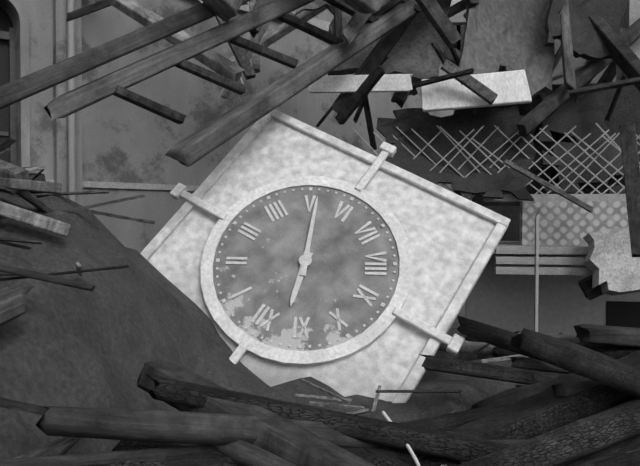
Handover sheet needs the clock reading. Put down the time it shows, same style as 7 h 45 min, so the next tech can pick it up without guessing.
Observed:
11 h 26 min
